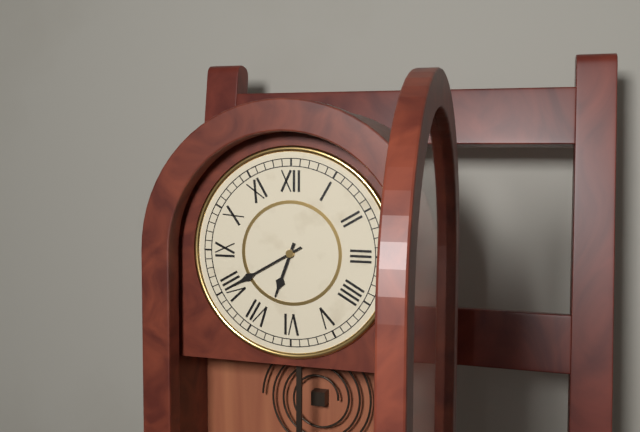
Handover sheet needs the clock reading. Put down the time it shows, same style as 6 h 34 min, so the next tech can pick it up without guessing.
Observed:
6 h 40 min
